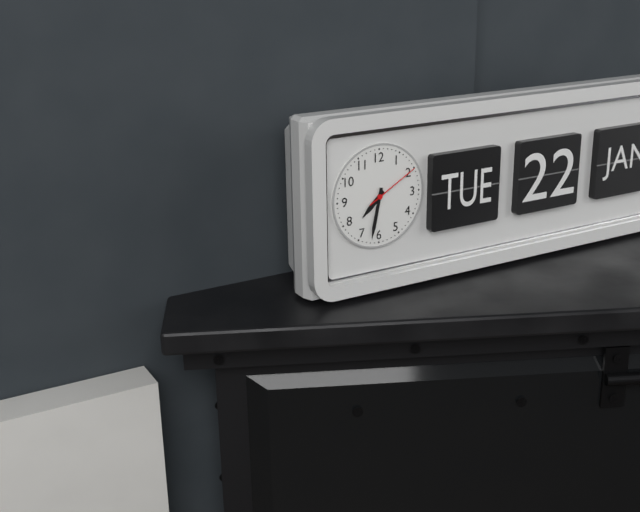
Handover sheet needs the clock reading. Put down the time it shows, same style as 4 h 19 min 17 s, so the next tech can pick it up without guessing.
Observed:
7 h 32 min 10 s
